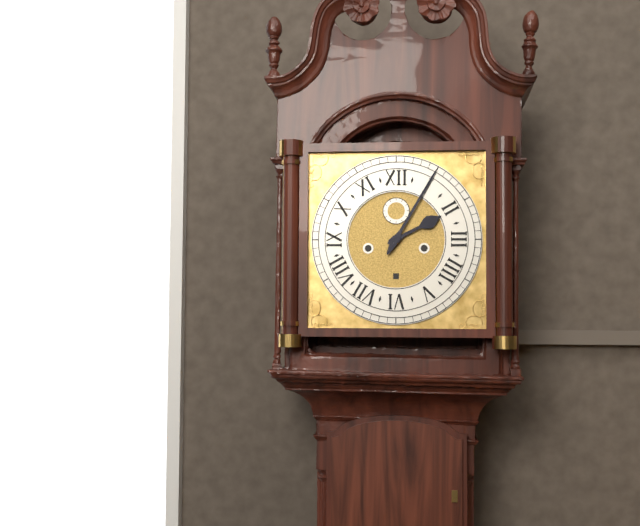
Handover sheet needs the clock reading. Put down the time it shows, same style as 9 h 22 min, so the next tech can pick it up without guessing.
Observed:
2 h 05 min
